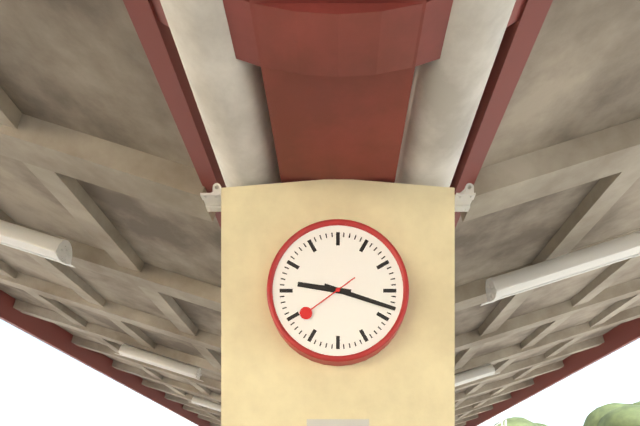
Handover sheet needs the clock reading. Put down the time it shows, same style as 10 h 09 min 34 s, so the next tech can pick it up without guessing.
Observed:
9 h 18 min 39 s
